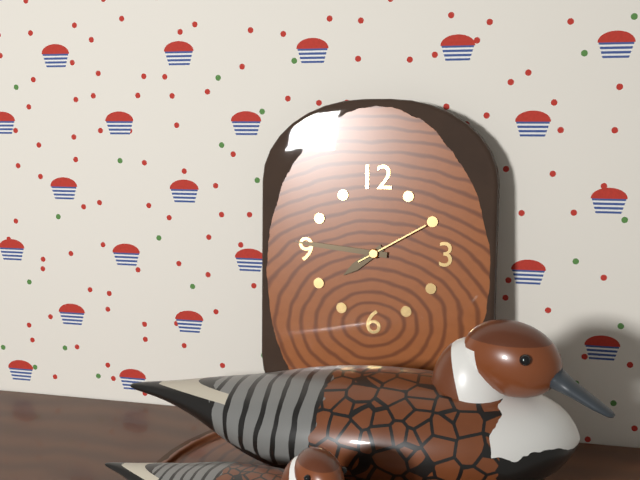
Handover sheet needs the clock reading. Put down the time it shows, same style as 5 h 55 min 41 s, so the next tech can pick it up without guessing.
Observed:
7 h 46 min 10 s
